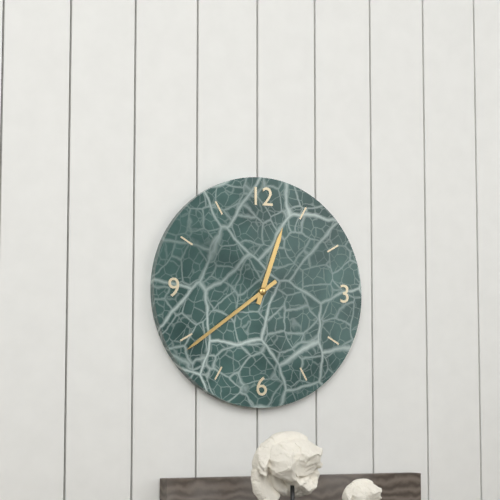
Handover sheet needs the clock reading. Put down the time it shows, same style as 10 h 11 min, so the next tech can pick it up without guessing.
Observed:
12 h 39 min
